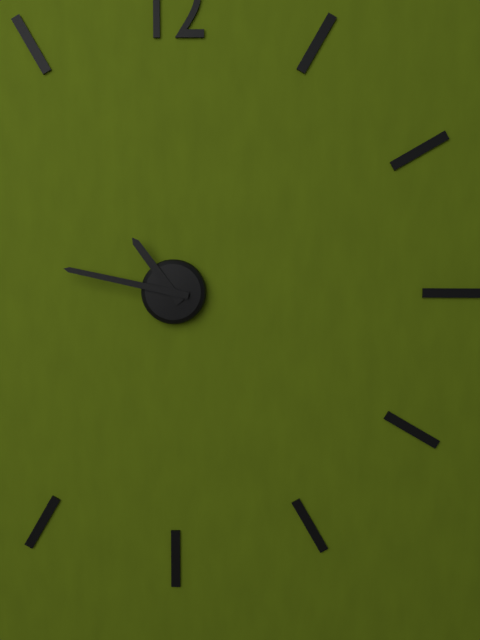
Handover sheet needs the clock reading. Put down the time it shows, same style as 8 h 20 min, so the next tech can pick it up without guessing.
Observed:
10 h 47 min
